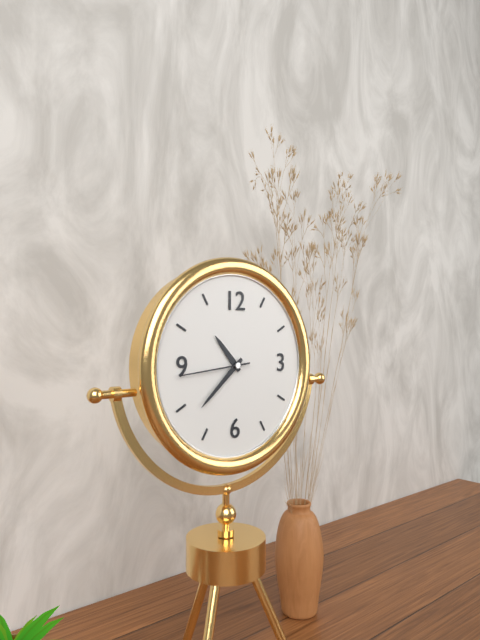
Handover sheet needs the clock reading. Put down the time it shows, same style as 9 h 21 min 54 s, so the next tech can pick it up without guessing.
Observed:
10 h 38 min 44 s
